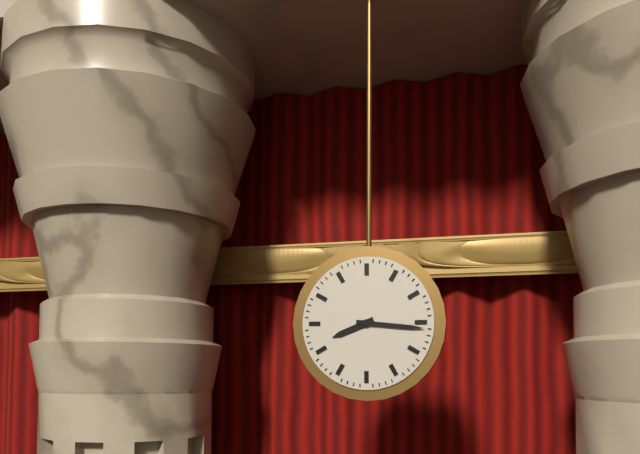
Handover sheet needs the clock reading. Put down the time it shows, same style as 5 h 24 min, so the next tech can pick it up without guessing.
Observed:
8 h 16 min
